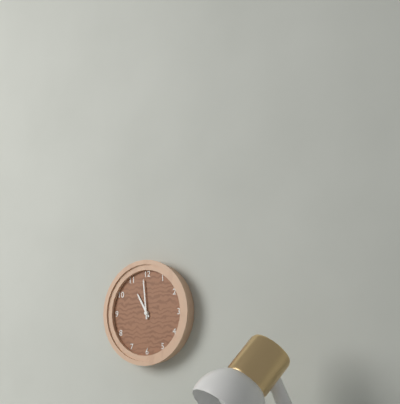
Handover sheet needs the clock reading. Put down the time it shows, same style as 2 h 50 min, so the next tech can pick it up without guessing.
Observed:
10 h 59 min
